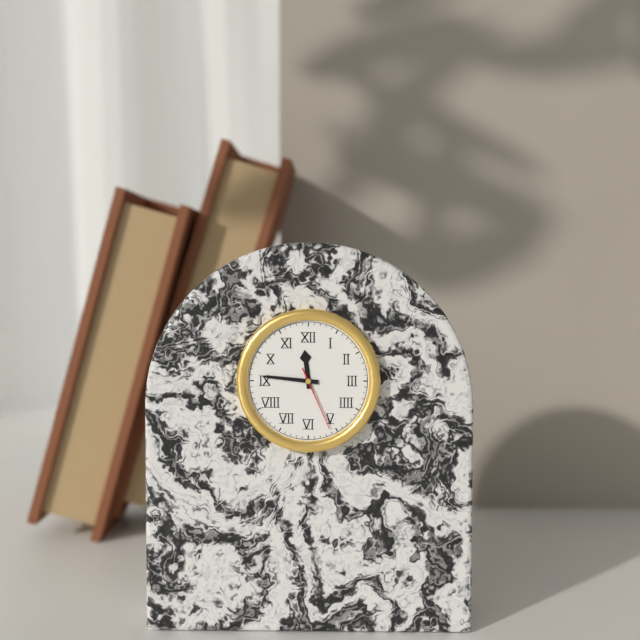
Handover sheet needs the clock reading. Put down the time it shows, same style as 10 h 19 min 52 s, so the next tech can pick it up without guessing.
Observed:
11 h 46 min 26 s
